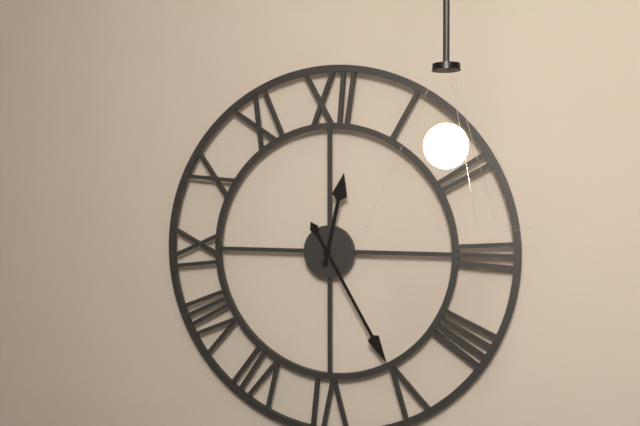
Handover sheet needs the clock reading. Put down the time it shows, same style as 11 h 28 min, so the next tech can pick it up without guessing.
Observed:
12 h 25 min
